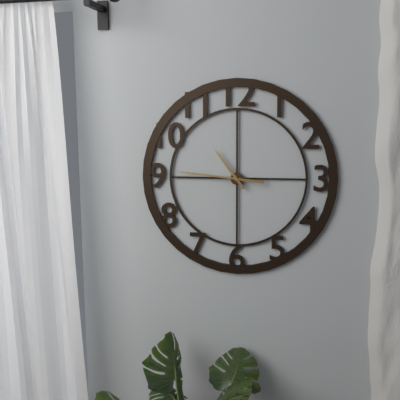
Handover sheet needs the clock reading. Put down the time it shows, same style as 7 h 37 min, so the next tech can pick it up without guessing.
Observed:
10 h 46 min
